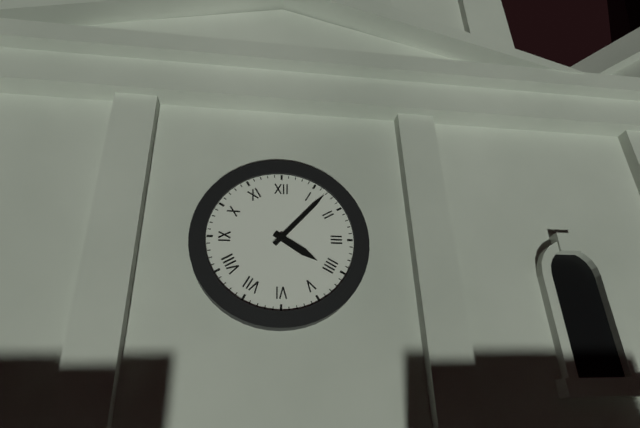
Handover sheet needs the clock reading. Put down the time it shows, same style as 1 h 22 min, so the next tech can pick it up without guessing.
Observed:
4 h 07 min
